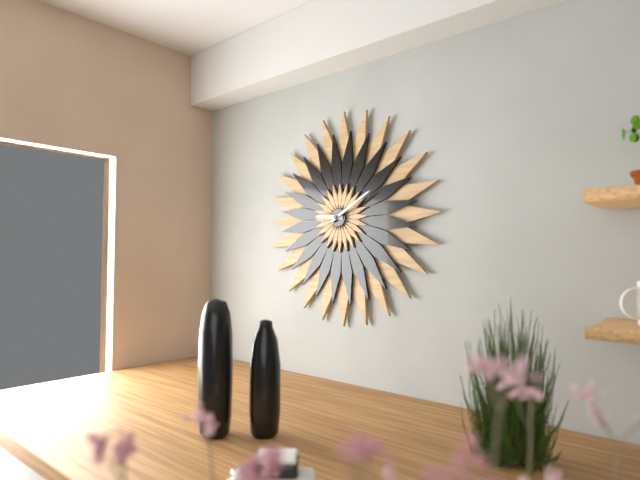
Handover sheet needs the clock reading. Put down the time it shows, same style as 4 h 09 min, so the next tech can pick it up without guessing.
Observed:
9 h 10 min
